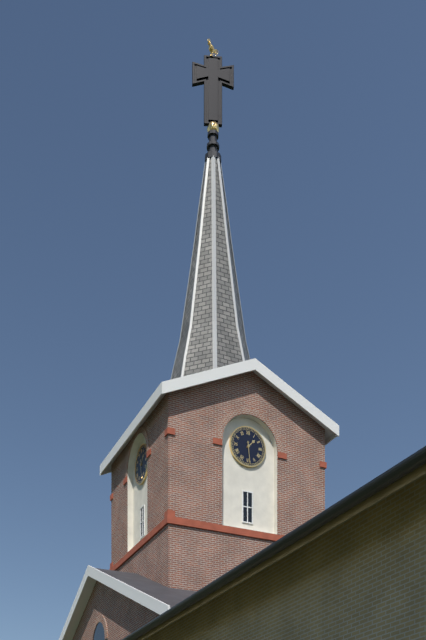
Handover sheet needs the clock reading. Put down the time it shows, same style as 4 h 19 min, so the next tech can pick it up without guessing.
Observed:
1 h 29 min
